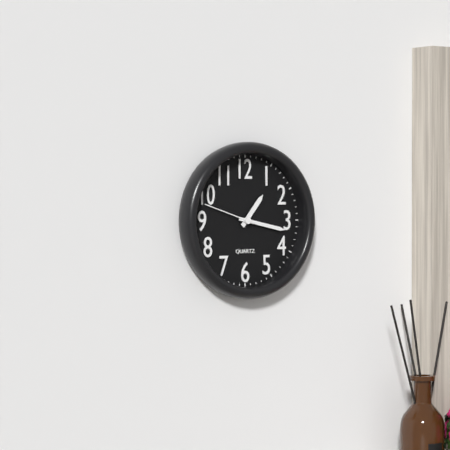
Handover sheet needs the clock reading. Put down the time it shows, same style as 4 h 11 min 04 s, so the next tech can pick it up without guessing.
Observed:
1 h 17 min 48 s
